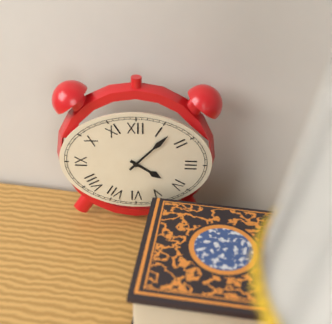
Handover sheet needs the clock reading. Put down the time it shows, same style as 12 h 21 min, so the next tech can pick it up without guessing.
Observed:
4 h 07 min
